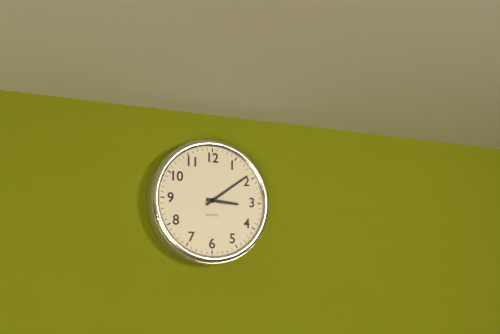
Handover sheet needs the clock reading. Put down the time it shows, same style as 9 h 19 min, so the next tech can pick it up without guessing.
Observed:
3 h 09 min
